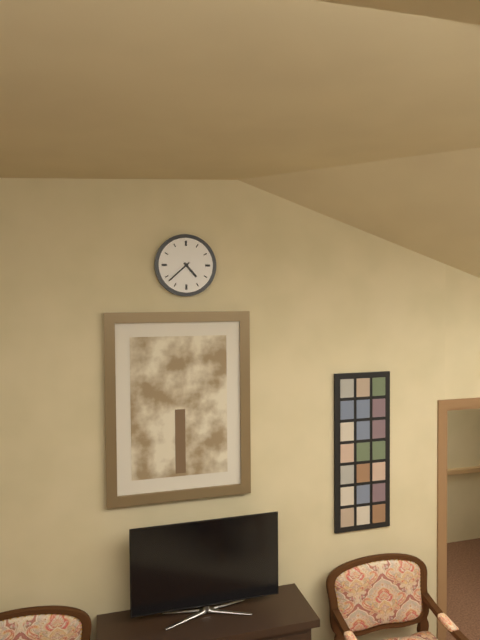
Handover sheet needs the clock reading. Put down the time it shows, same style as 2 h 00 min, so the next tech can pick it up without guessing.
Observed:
4 h 38 min
